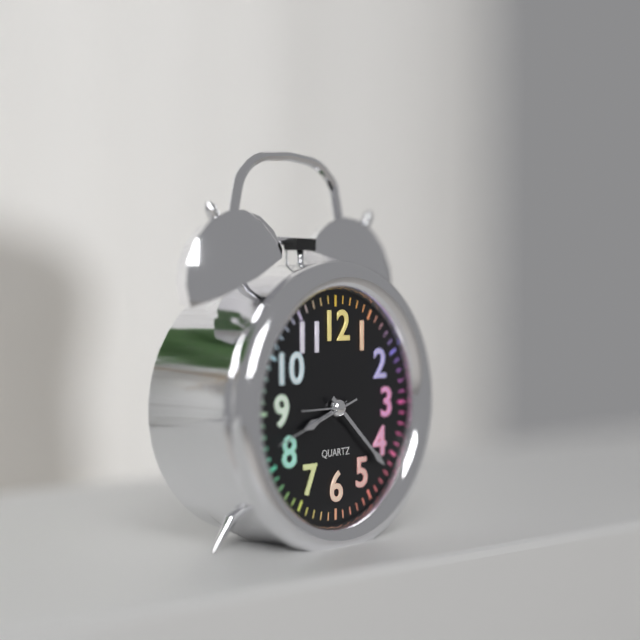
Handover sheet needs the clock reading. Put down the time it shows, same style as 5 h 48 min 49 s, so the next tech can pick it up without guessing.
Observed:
8 h 22 min 42 s
